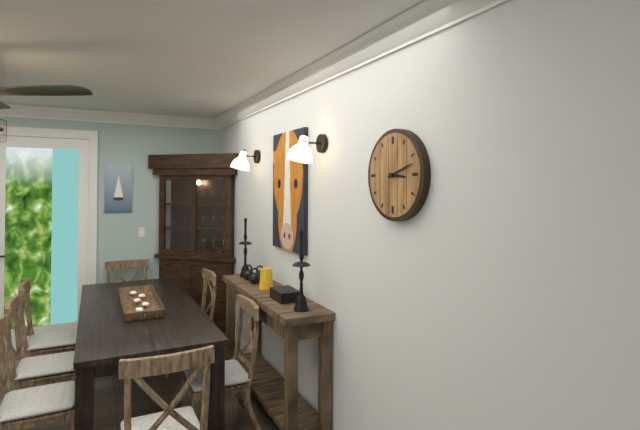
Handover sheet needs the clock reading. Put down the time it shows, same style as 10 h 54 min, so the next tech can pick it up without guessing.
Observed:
3 h 12 min
